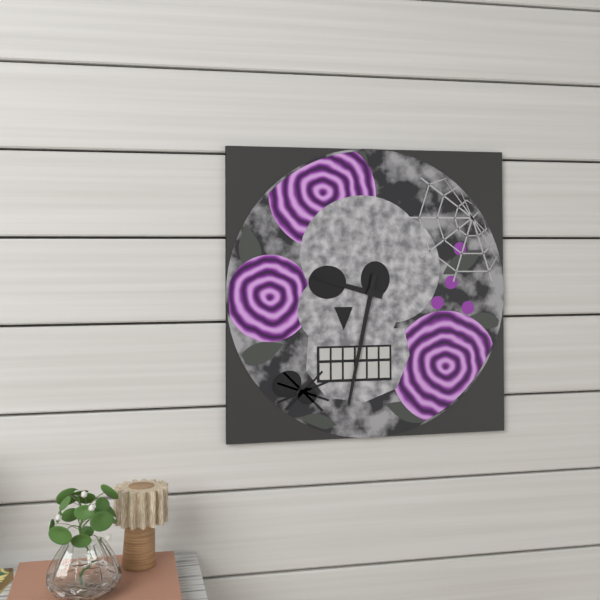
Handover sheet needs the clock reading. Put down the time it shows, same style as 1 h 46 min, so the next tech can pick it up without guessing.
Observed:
9 h 32 min
